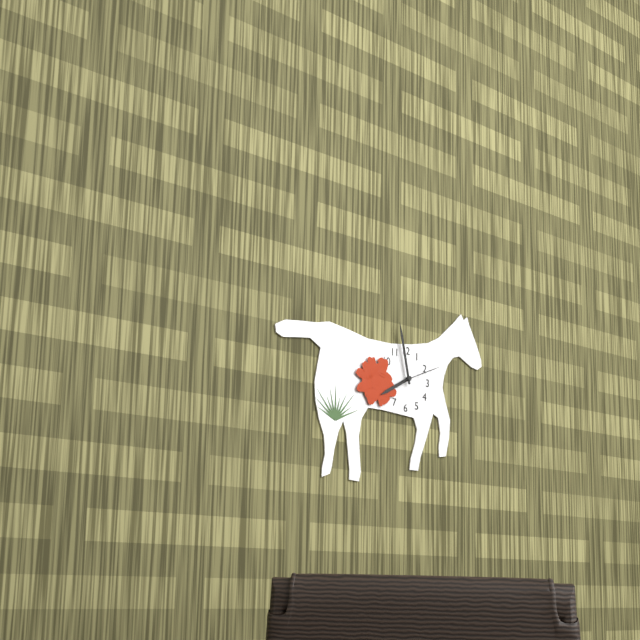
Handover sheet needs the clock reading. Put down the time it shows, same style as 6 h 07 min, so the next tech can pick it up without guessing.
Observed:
7 h 58 min
